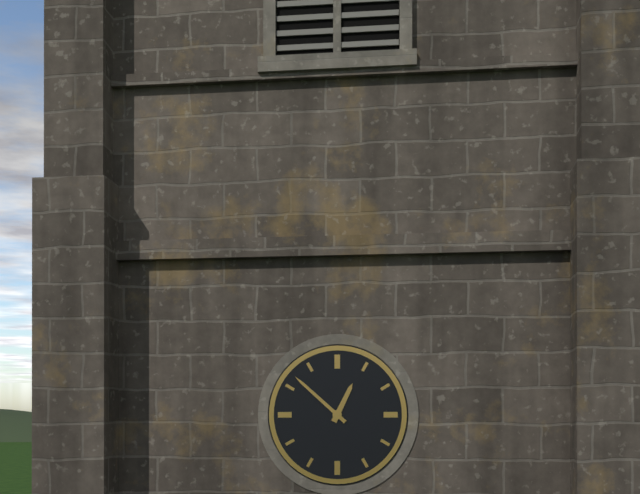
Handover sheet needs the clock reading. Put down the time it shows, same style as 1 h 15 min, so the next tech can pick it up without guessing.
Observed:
12 h 52 min
